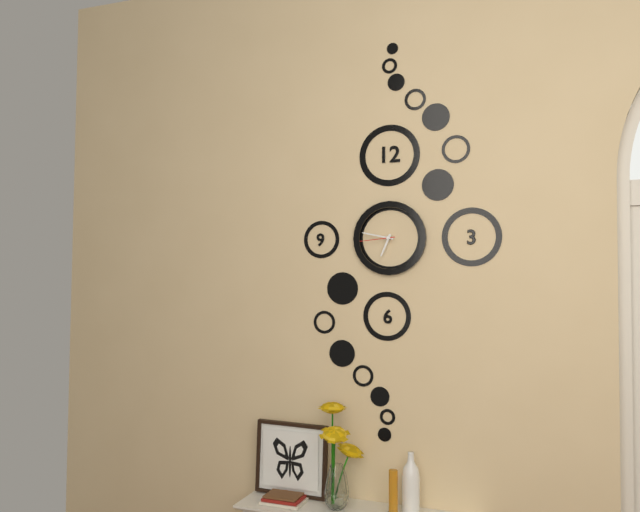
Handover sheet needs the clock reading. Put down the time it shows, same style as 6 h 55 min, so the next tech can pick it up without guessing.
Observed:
6 h 47 min
